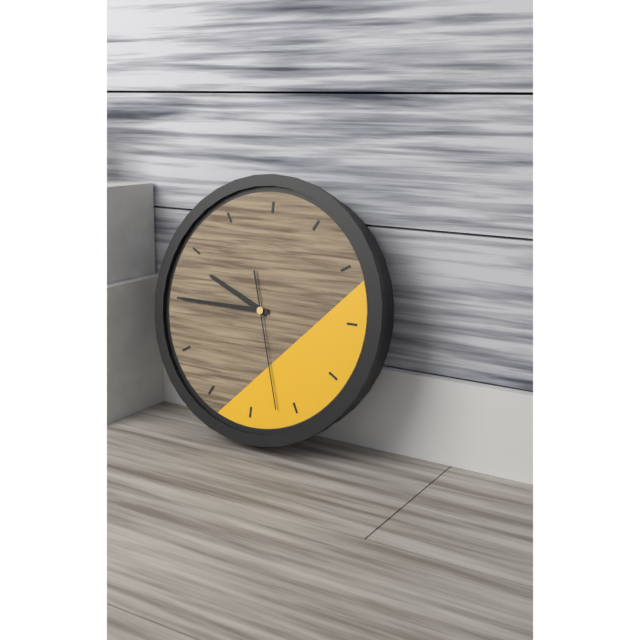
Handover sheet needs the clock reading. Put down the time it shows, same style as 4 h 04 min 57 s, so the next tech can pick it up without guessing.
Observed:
9 h 45 min 27 s
